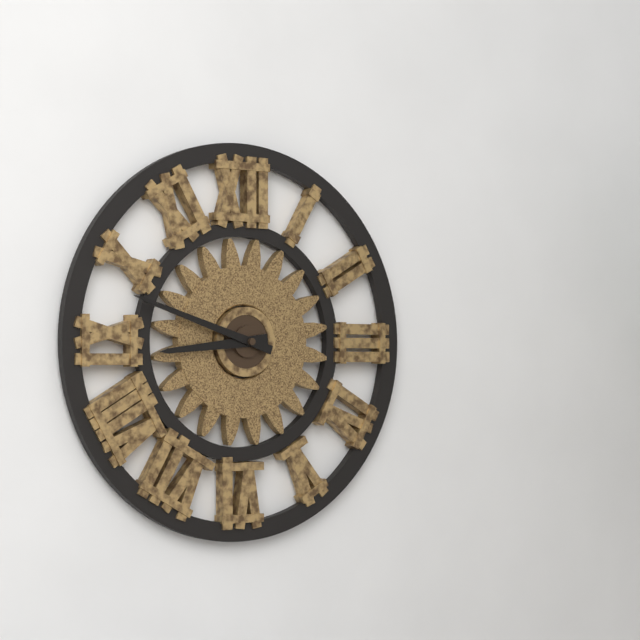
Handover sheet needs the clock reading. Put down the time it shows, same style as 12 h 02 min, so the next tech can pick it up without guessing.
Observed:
8 h 48 min
